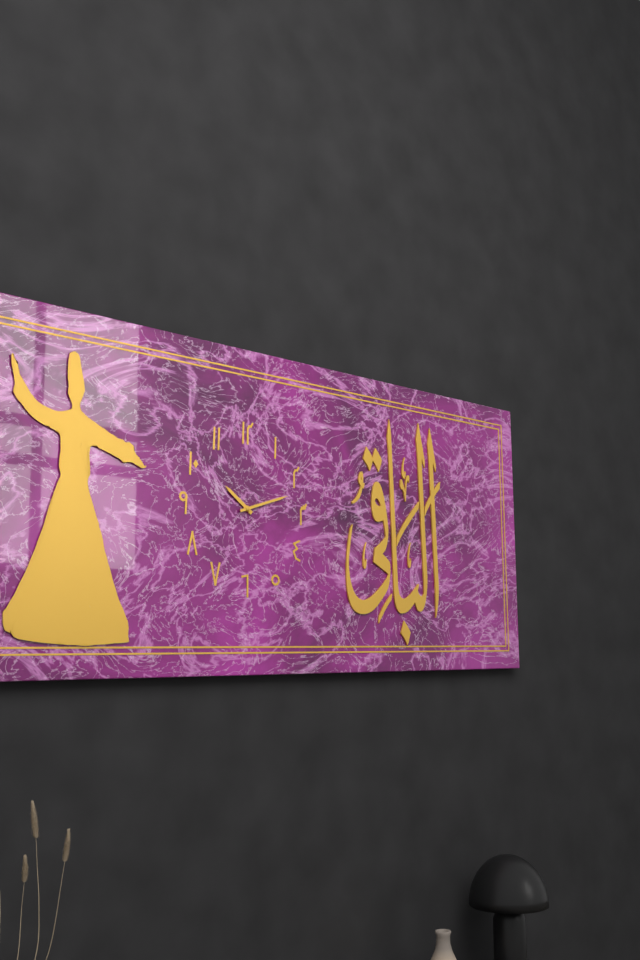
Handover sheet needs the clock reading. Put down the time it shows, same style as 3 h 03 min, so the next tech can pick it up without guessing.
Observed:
10 h 12 min
